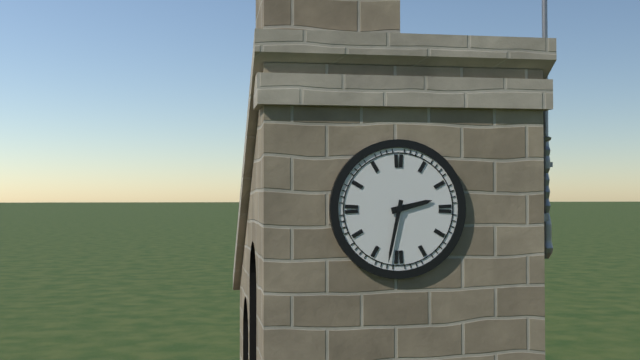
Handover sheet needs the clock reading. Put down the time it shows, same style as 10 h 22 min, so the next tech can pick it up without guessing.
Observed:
2 h 32 min
